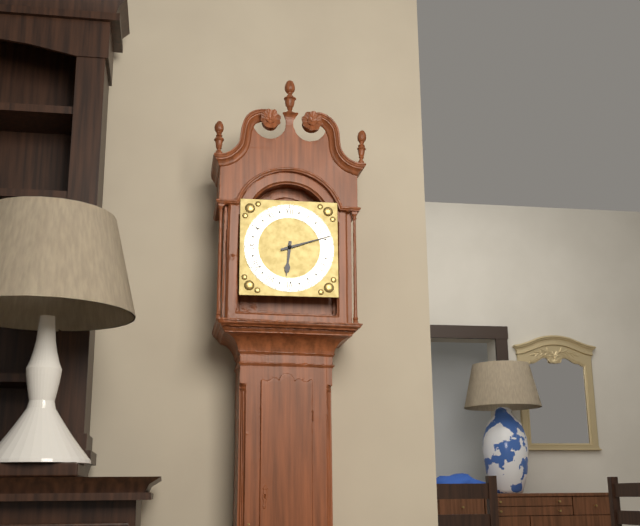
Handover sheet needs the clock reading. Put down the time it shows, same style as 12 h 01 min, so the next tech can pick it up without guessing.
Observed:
6 h 12 min
